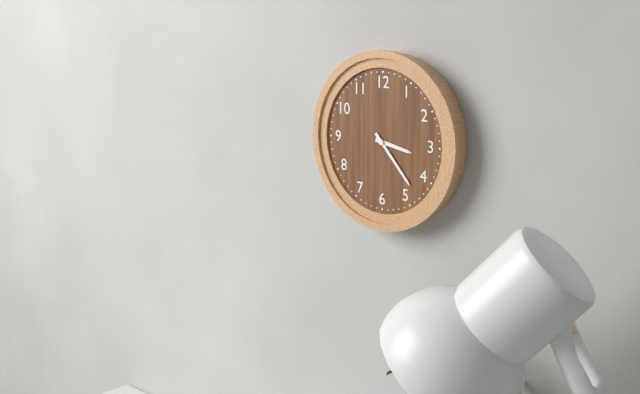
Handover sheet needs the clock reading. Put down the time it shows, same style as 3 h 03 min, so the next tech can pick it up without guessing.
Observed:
3 h 23 min
